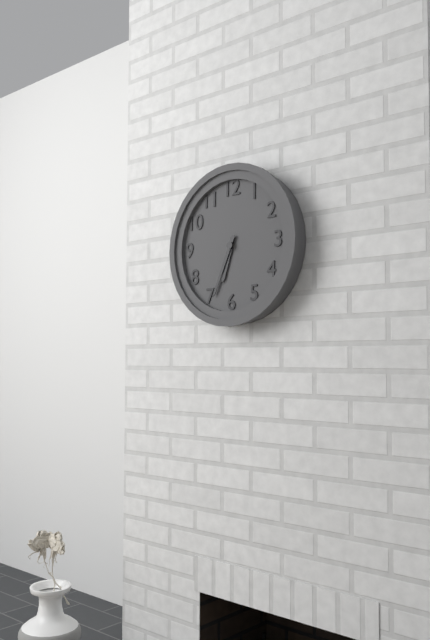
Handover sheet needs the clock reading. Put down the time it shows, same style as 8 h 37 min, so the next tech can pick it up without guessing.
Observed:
6 h 34 min
